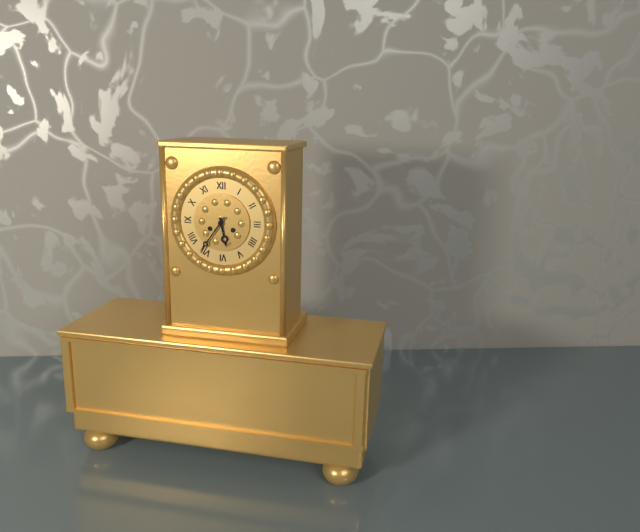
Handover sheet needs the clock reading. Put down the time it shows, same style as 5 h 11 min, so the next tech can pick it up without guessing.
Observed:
5 h 36 min
